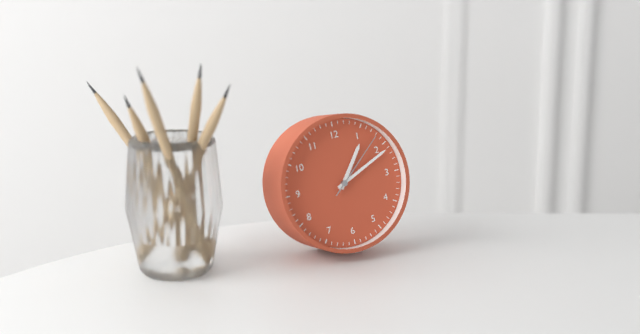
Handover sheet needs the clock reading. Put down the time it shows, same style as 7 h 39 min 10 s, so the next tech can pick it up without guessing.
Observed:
1 h 11 min 08 s
